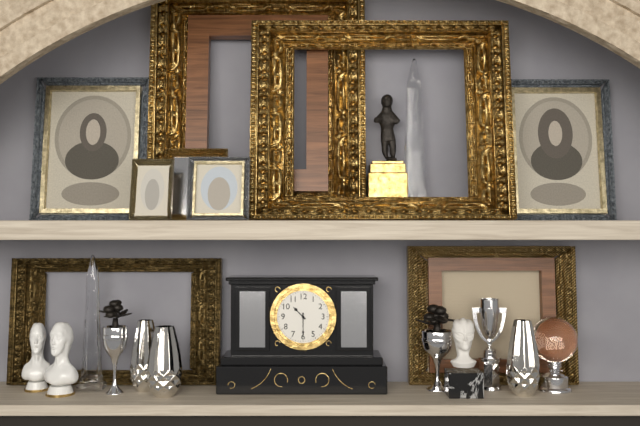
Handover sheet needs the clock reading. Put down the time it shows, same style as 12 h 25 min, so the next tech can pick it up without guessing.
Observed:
10 h 30 min
